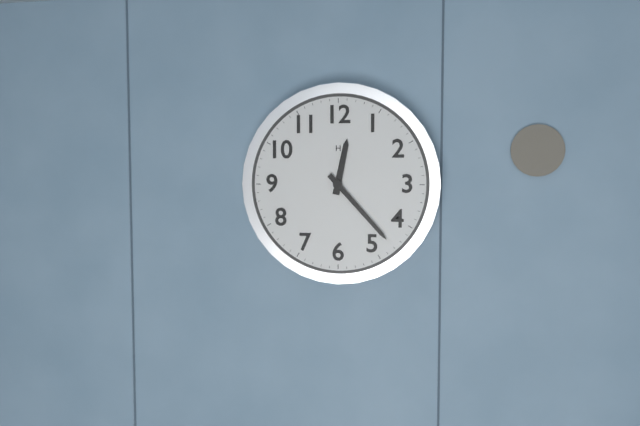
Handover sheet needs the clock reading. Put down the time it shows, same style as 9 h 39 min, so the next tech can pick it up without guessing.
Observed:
12 h 23 min
